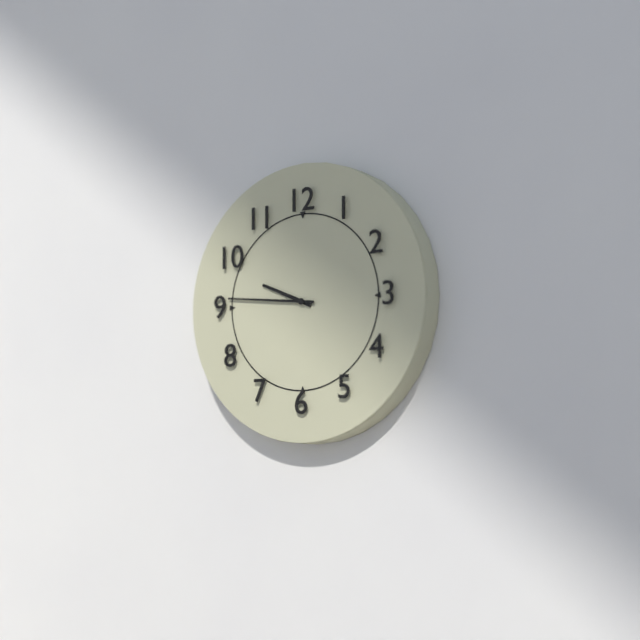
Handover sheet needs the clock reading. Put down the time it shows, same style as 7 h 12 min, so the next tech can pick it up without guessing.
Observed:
9 h 46 min
